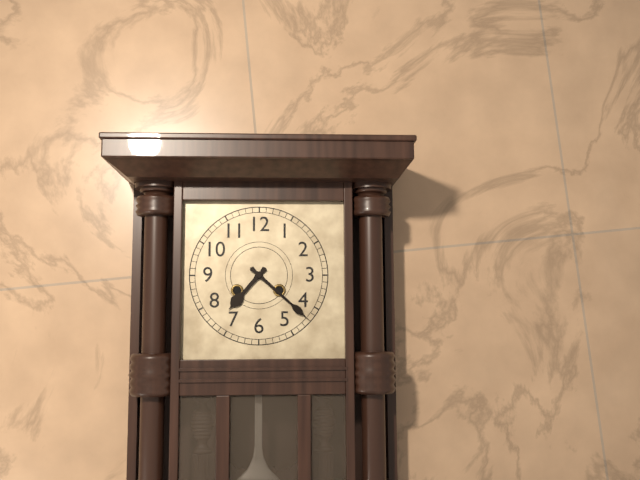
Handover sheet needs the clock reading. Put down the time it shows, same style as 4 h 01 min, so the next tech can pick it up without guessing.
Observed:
7 h 22 min
